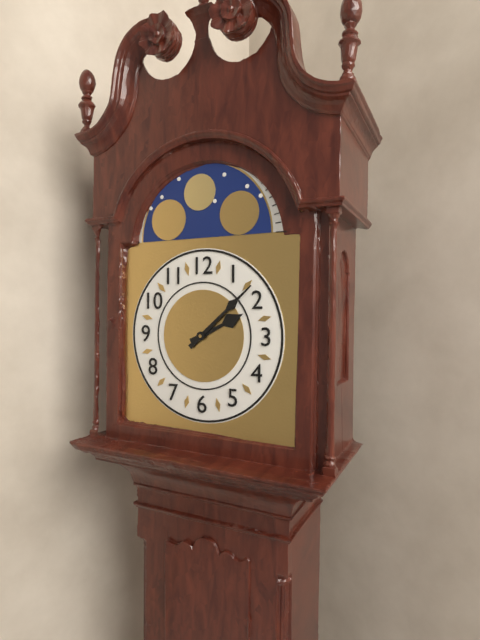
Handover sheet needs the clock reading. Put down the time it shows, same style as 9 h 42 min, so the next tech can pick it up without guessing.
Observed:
2 h 08 min
